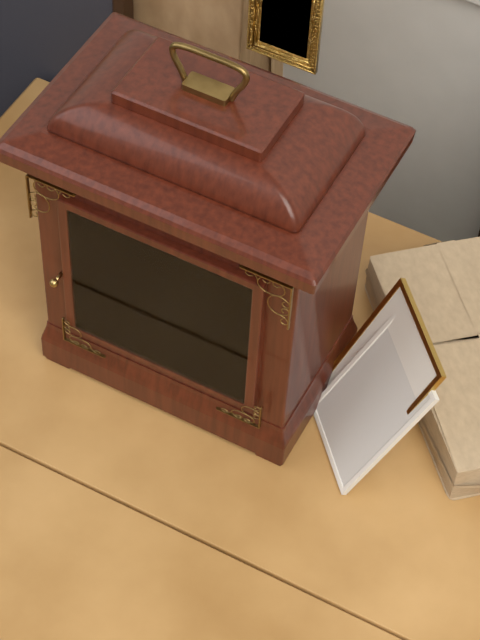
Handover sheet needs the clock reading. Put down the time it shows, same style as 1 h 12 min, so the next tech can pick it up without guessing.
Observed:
2 h 14 min
